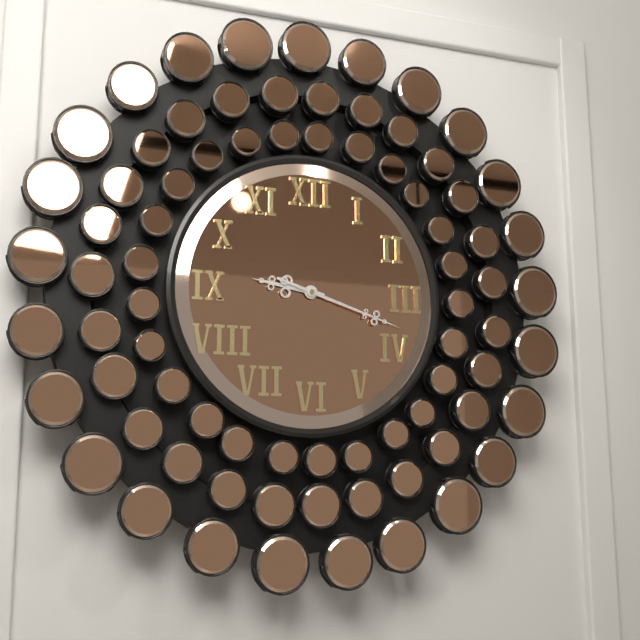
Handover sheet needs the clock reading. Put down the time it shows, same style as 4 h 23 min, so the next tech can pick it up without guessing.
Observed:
9 h 18 min
